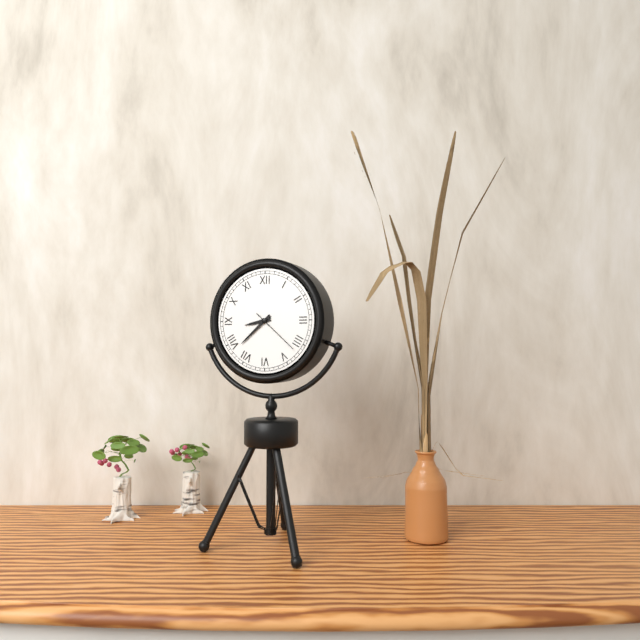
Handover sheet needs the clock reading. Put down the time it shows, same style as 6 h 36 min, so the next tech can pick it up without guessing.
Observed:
8 h 38 min
